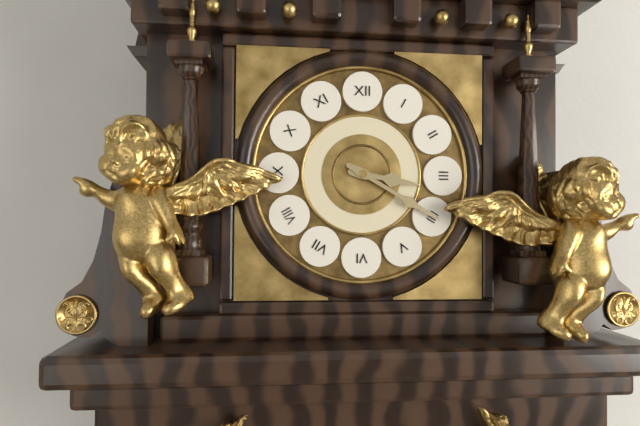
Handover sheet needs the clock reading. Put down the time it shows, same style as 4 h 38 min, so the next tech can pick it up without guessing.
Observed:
3 h 20 min
